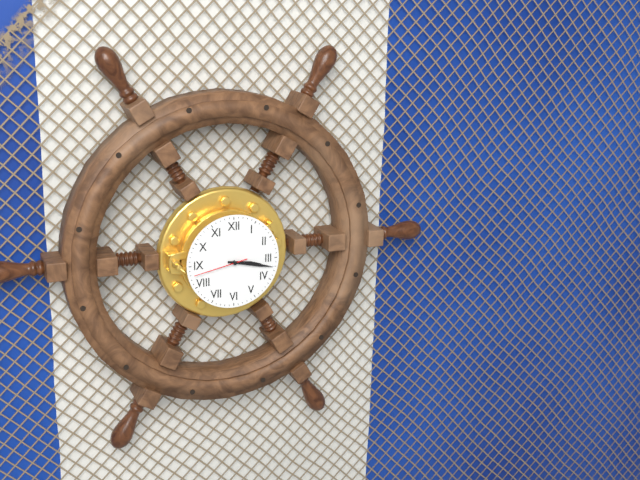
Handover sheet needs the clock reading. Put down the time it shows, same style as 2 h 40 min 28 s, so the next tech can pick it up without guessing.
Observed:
3 h 17 min 43 s
